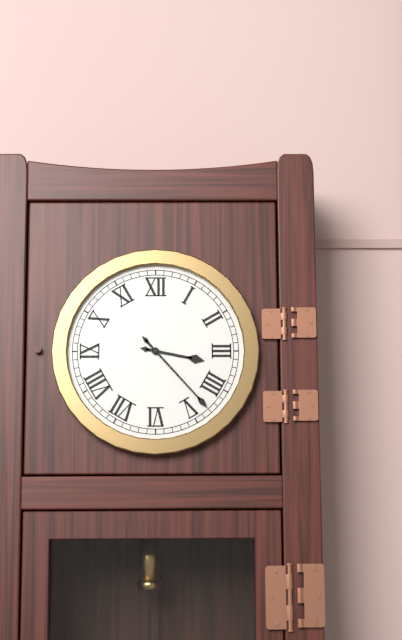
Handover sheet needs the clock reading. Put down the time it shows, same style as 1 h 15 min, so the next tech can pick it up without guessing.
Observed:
3 h 23 min
